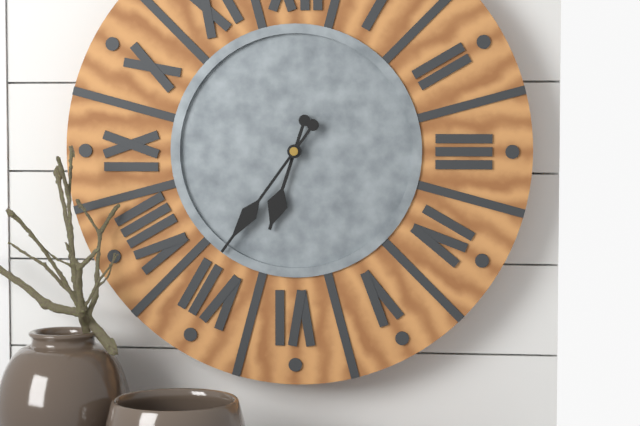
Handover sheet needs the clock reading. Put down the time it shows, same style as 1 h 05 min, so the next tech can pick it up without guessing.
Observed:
6 h 36 min
